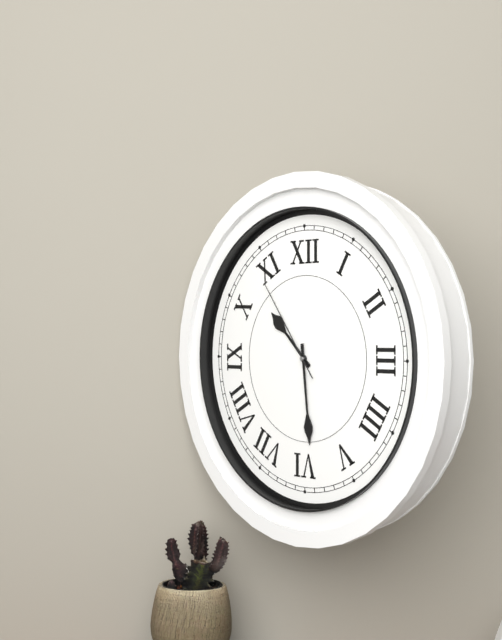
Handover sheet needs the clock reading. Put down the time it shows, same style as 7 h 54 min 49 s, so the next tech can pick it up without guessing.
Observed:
10 h 29 min 54 s
